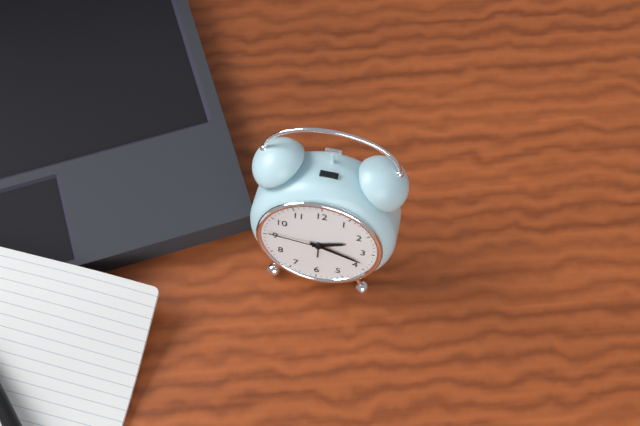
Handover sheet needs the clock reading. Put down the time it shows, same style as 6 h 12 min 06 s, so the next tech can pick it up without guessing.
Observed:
2 h 18 min 46 s
